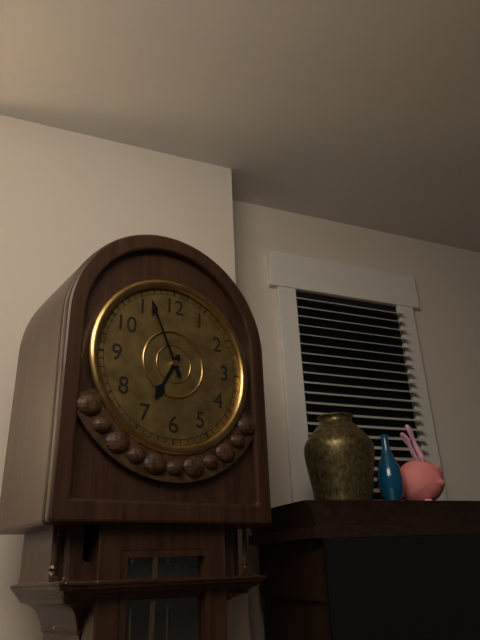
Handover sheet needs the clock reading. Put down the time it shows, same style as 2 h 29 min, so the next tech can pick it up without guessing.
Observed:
6 h 56 min
